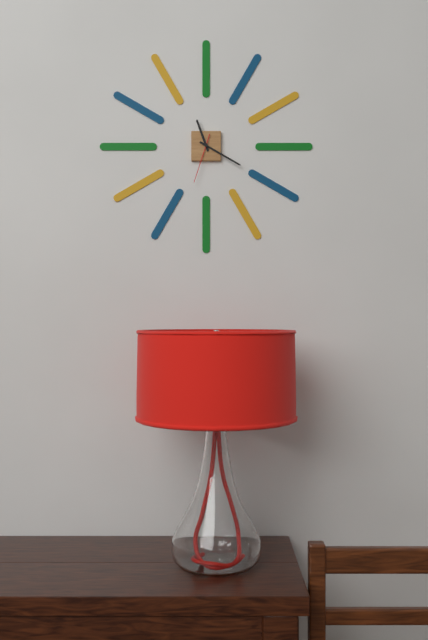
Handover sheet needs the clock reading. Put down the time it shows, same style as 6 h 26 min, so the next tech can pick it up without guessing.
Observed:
11 h 20 min
